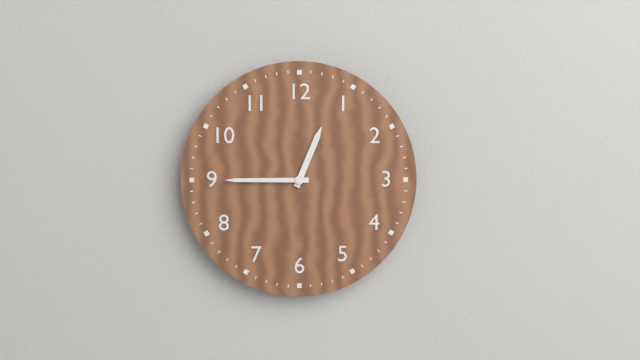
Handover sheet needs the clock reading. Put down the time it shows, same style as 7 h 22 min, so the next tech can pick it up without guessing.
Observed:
12 h 45 min
